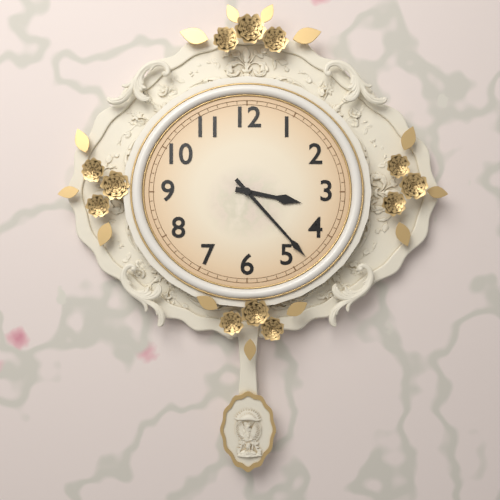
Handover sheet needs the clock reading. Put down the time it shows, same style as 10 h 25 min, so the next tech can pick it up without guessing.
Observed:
3 h 23 min
